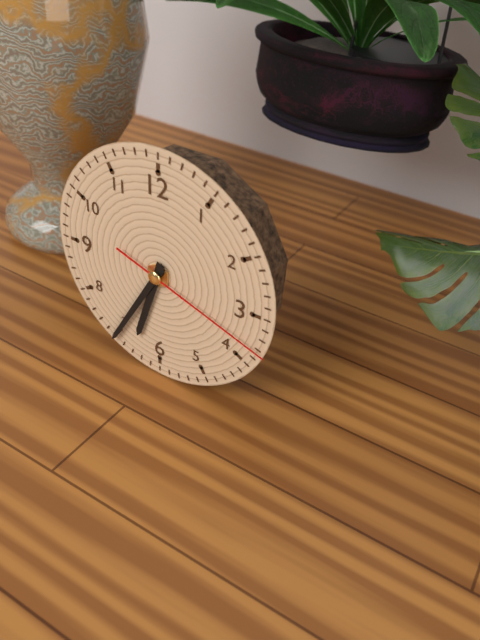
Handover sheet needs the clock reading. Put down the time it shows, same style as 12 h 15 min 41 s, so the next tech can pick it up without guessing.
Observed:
6 h 35 min 18 s
